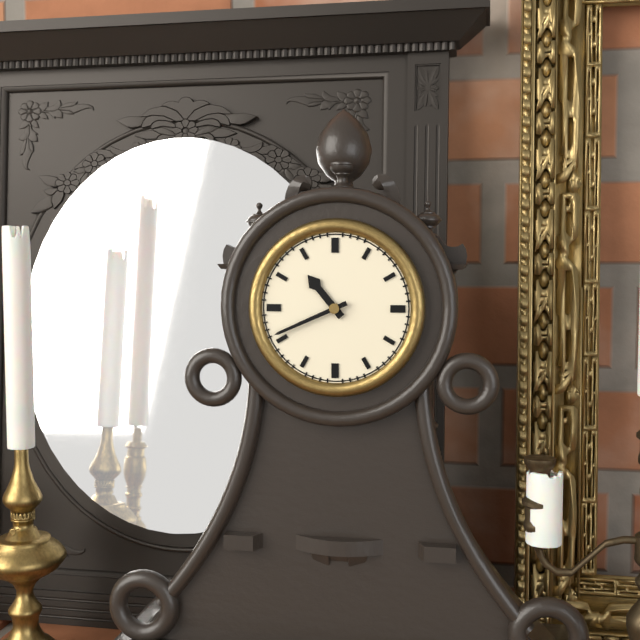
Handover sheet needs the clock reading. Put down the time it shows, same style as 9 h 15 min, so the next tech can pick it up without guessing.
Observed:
10 h 41 min
